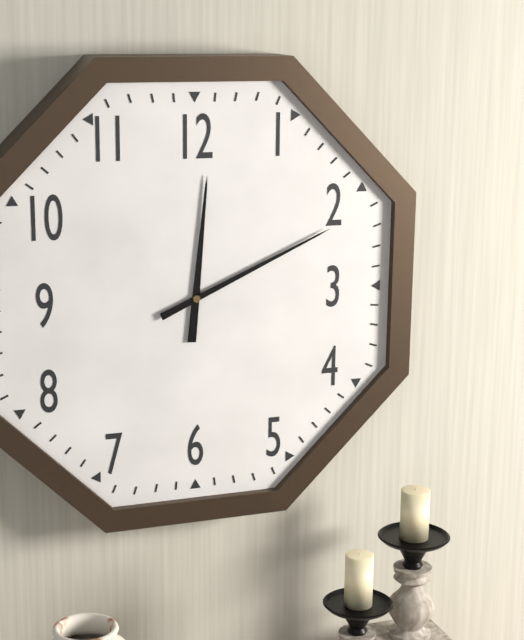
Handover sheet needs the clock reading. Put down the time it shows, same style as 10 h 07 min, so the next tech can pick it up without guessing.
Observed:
12 h 11 min
